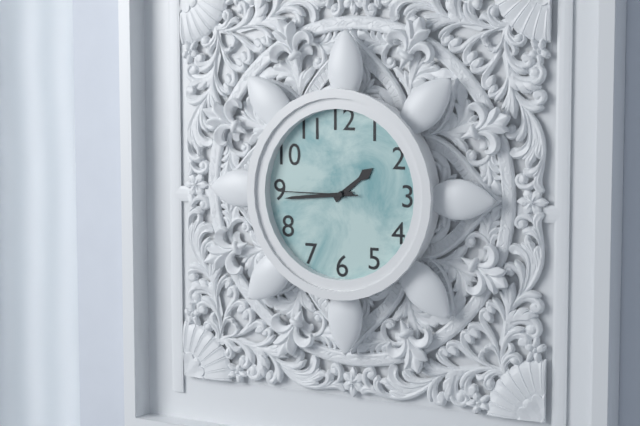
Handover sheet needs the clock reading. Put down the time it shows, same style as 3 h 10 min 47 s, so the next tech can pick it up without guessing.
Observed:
1 h 44 min 45 s
